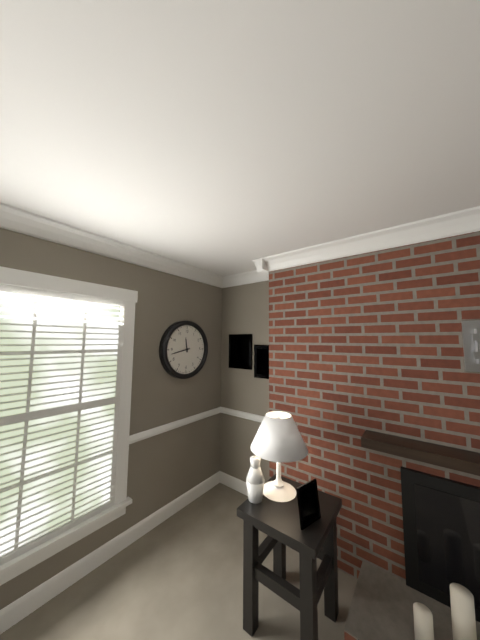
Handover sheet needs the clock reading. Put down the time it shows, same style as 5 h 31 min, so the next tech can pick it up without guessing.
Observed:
11 h 43 min
